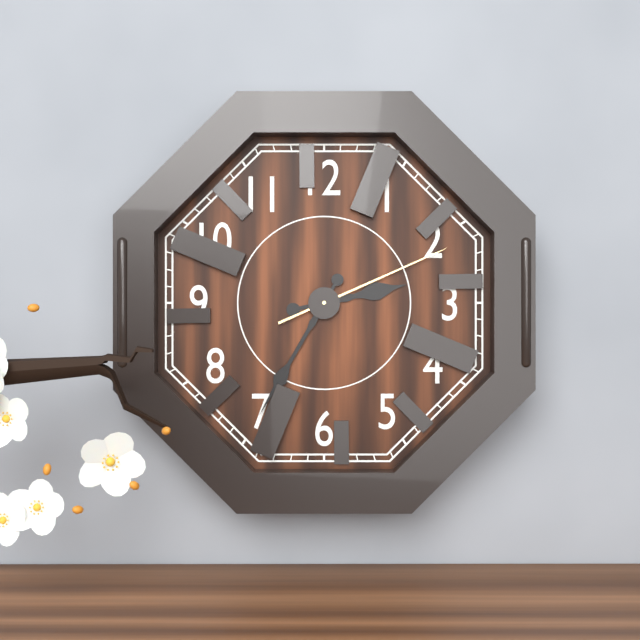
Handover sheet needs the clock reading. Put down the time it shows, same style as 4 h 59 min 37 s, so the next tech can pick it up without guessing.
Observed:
2 h 35 min 11 s
